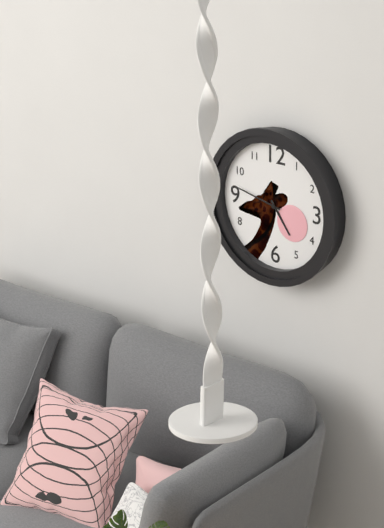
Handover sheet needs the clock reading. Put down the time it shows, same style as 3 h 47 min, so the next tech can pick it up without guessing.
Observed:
4 h 47 min
